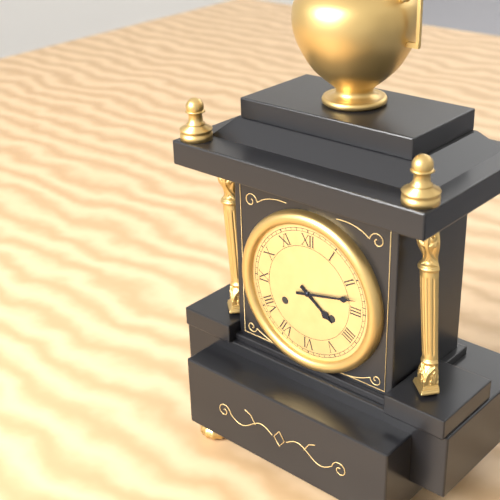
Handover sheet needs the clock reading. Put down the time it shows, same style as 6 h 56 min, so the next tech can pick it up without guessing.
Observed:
4 h 13 min
